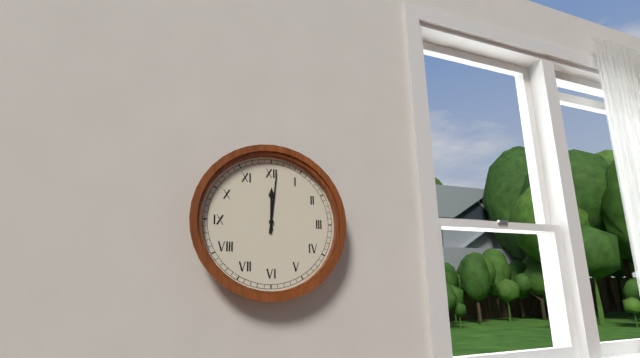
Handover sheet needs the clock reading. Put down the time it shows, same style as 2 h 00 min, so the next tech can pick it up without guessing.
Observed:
12 h 01 min
